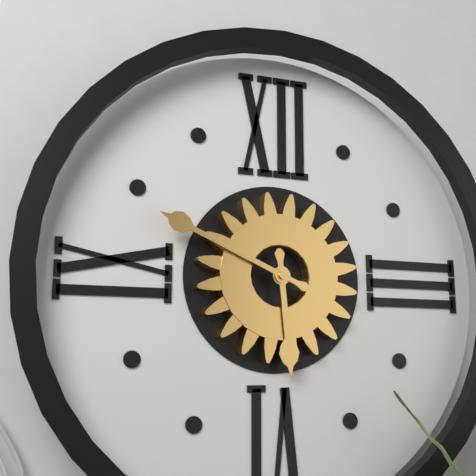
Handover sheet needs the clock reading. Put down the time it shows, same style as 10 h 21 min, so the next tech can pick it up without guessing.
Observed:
5 h 49 min
